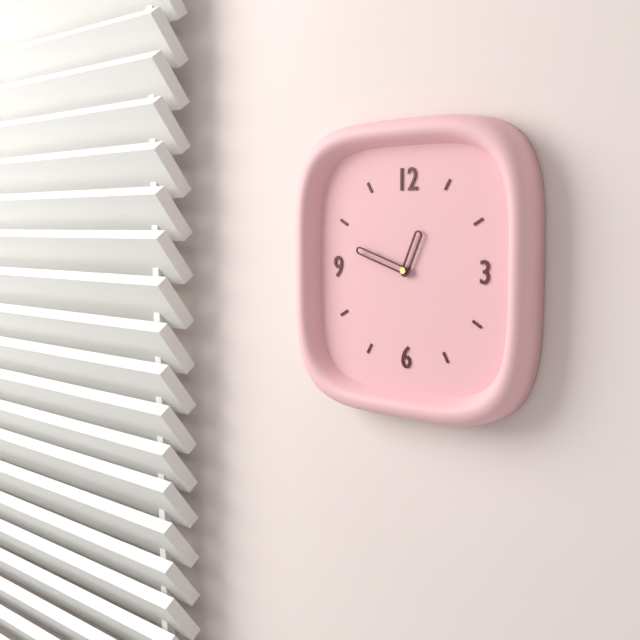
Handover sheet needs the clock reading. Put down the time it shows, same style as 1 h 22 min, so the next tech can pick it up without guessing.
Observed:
12 h 48 min
